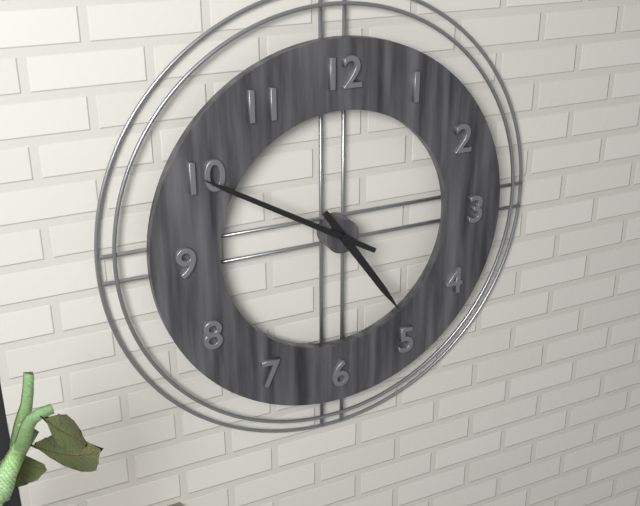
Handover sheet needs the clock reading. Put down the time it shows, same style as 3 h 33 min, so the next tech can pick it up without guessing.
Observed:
4 h 50 min
